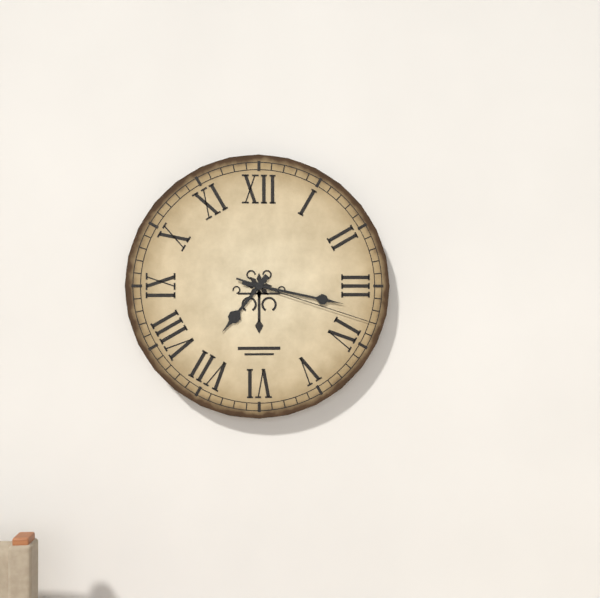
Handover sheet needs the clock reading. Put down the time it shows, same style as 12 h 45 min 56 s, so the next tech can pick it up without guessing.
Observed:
7 h 17 min 18 s
